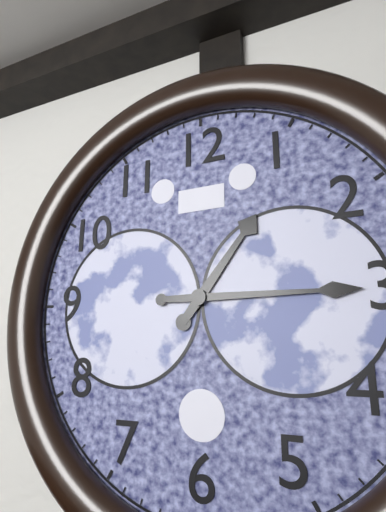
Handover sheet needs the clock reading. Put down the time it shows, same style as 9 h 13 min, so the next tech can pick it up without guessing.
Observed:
1 h 15 min
